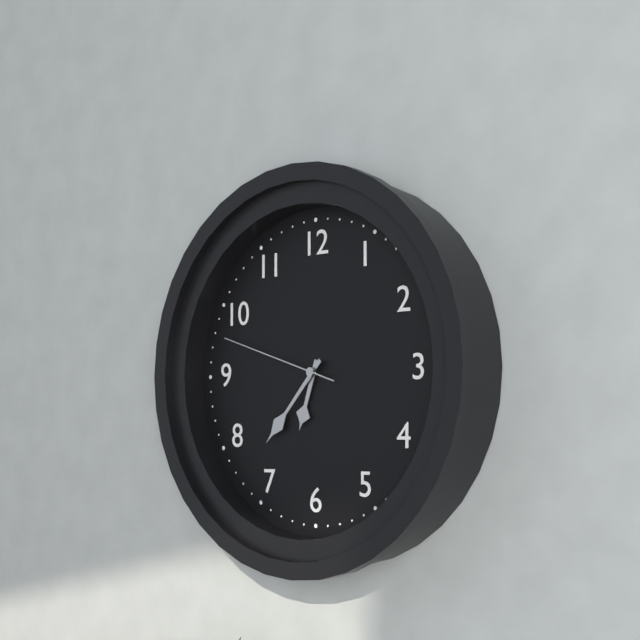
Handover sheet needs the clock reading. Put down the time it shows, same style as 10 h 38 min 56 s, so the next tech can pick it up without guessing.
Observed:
6 h 37 min 48 s
